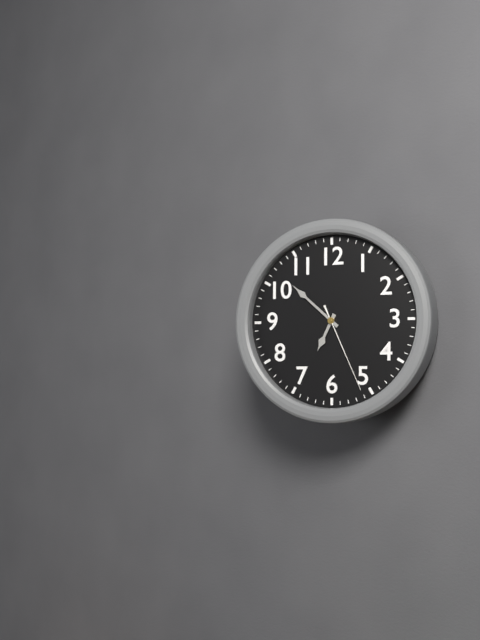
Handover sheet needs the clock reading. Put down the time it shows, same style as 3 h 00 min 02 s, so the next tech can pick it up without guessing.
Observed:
6 h 52 min 26 s
